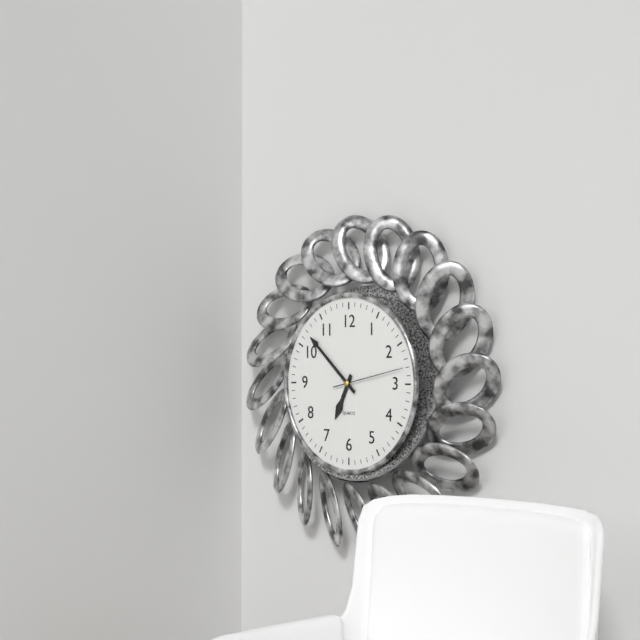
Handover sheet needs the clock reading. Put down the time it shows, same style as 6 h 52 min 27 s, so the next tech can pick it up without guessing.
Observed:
6 h 52 min 13 s
